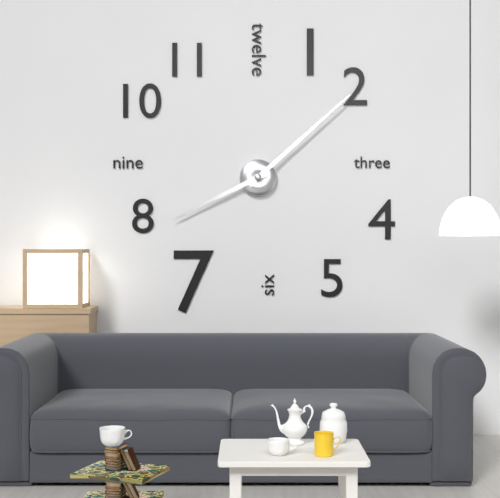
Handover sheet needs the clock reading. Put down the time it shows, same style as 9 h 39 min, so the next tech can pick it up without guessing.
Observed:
8 h 08 min
